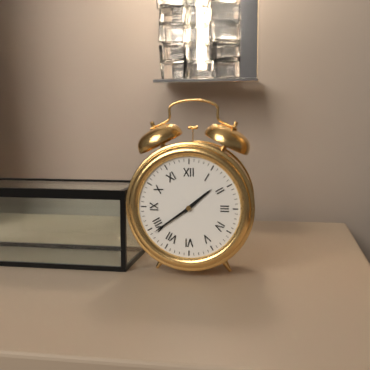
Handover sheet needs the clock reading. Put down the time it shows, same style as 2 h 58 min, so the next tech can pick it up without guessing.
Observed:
1 h 39 min
